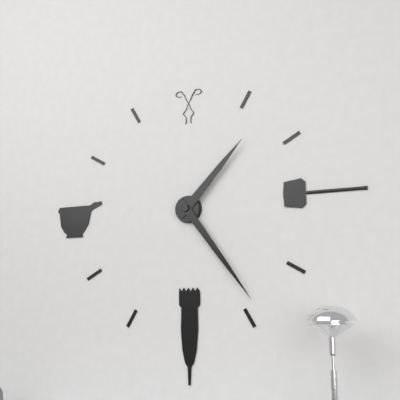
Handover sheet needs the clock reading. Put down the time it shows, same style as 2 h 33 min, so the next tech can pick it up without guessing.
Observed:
1 h 24 min
